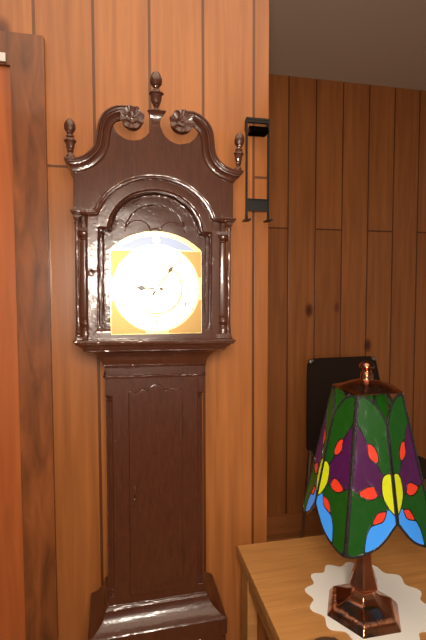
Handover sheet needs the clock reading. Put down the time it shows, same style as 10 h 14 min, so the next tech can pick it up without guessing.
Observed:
9 h 06 min
